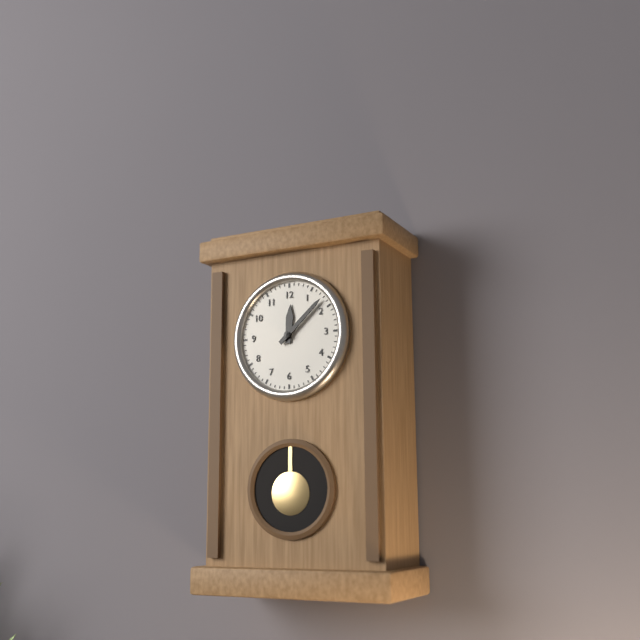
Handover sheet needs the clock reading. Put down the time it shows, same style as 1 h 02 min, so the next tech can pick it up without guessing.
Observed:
12 h 08 min
